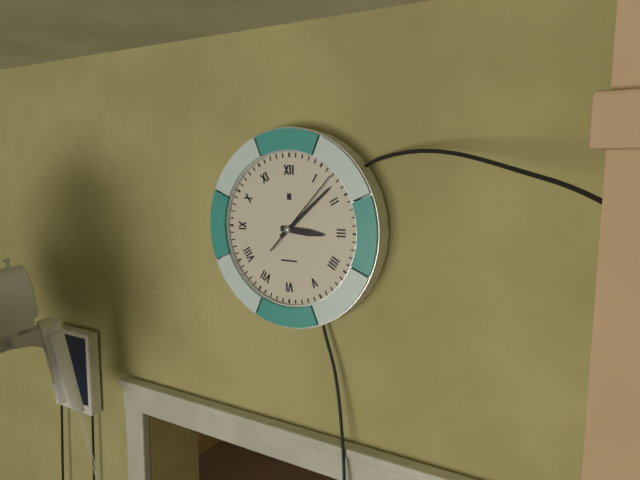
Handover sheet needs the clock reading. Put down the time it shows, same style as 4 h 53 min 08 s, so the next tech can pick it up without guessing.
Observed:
3 h 08 min 07 s
